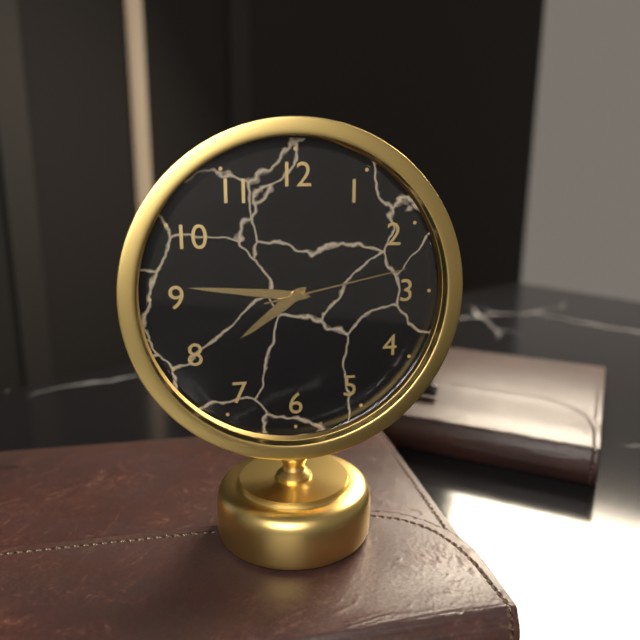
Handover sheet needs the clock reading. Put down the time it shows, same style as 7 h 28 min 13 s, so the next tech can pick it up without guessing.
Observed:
7 h 46 min 13 s
